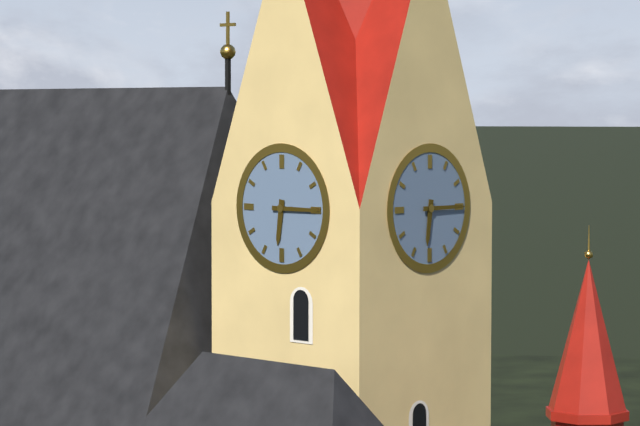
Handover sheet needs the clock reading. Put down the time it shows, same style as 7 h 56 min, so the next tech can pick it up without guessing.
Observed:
6 h 15 min
